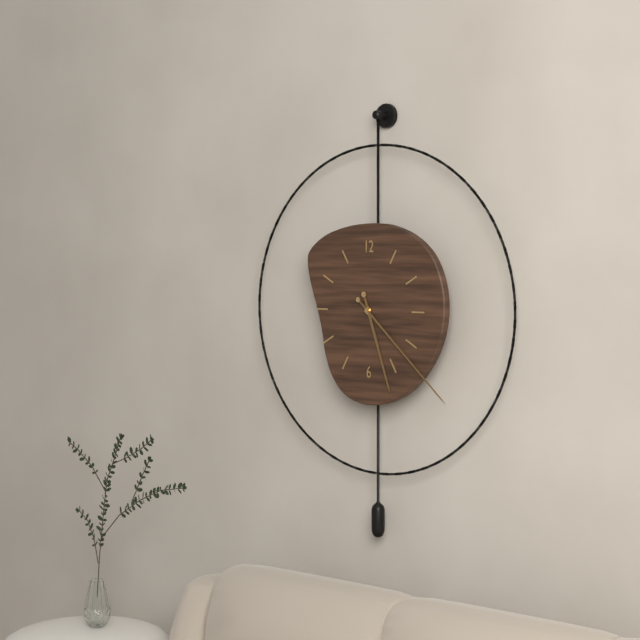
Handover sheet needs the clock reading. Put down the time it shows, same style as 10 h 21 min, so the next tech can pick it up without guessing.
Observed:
5 h 22 min
